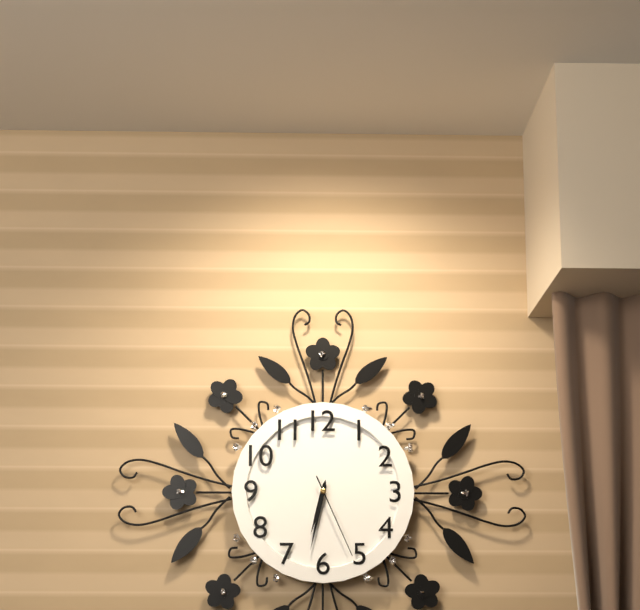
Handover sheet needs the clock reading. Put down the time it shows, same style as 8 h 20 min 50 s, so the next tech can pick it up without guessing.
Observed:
6 h 32 min 26 s
